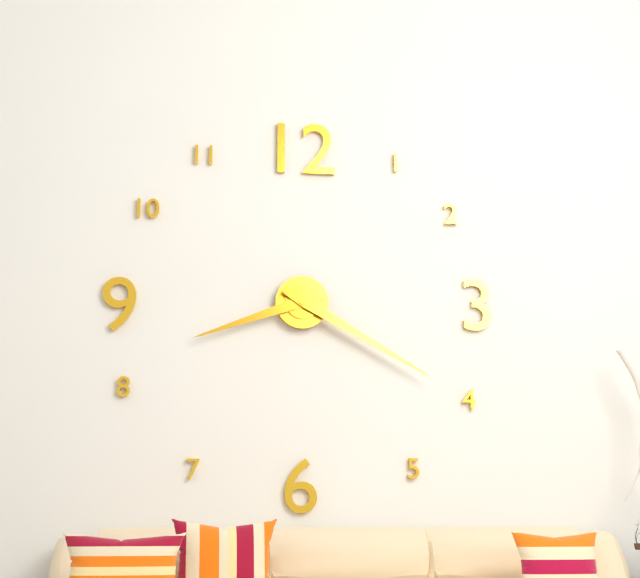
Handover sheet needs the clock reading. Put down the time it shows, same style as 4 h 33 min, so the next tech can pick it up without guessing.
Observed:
8 h 20 min
